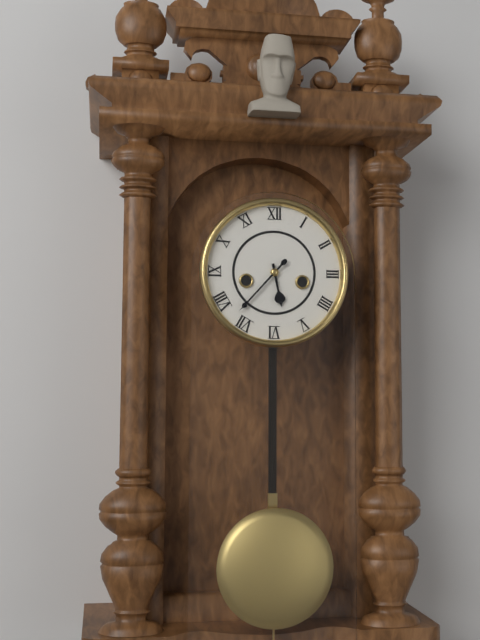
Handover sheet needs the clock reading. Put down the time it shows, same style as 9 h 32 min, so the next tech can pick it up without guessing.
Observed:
5 h 37 min
